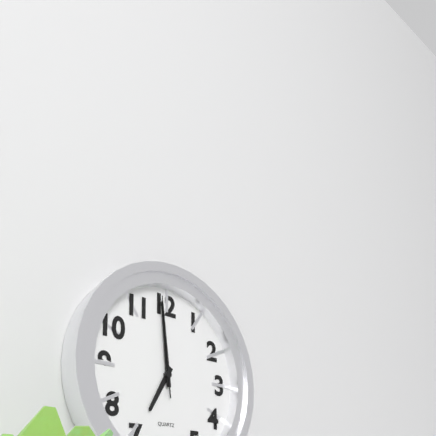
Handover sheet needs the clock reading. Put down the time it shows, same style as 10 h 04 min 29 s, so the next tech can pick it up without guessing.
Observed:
6 h 59 min 59 s
